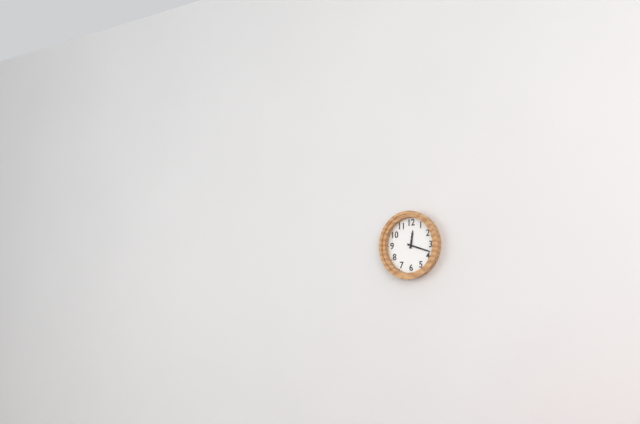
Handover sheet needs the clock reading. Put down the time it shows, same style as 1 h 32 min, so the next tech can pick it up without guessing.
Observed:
12 h 18 min
